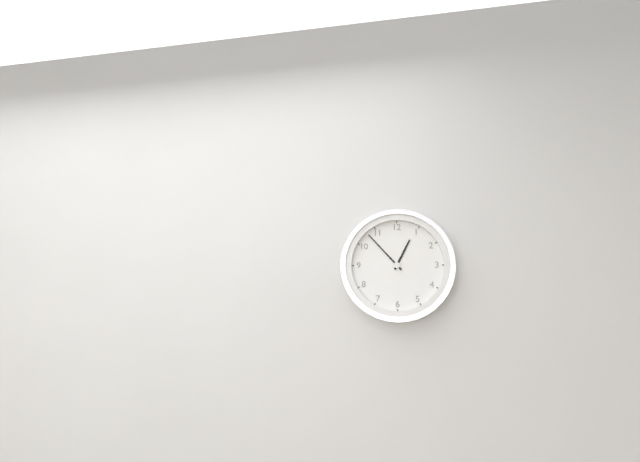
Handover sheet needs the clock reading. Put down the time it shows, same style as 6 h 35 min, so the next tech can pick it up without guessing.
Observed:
12 h 53 min
